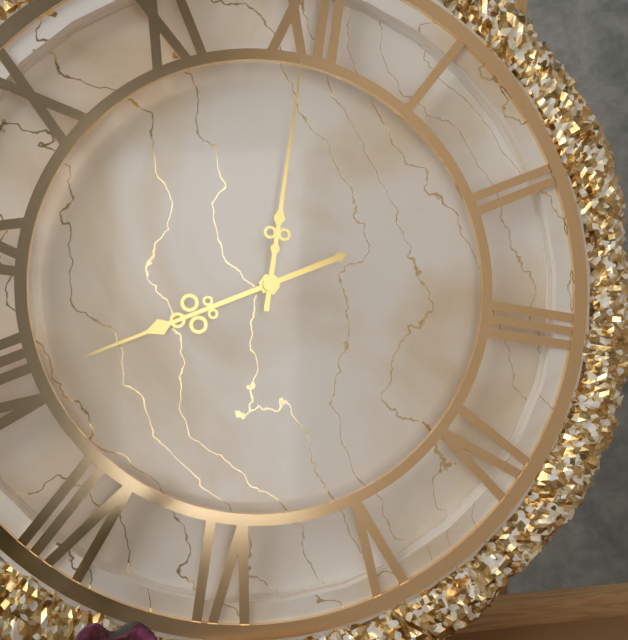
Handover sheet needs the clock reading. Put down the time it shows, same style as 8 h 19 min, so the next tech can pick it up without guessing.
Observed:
8 h 00 min
